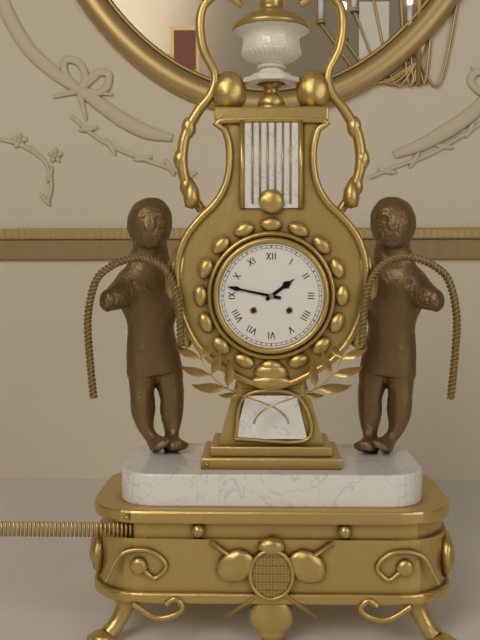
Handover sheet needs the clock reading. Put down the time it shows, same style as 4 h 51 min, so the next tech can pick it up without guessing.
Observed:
1 h 47 min
